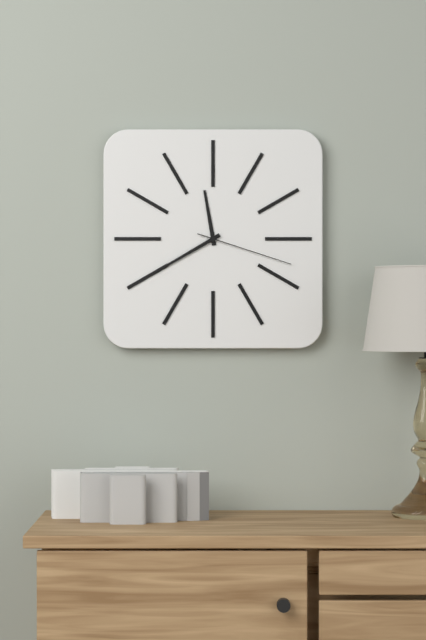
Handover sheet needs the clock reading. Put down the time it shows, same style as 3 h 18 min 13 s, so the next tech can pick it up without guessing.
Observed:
11 h 40 min 18 s
